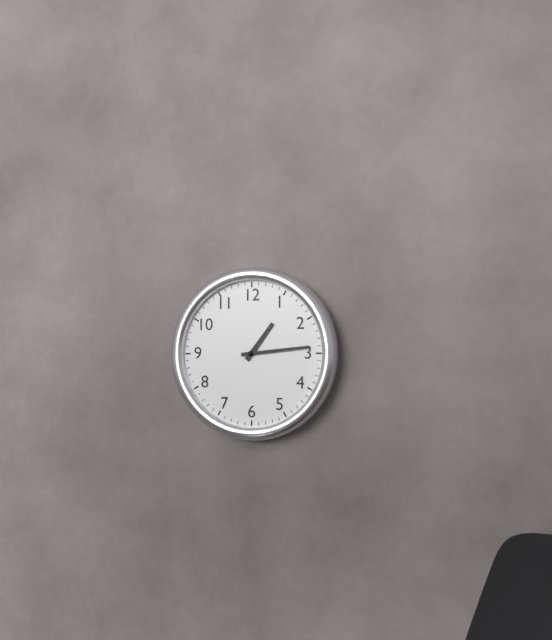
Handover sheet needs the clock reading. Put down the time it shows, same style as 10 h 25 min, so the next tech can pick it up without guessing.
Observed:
1 h 14 min
